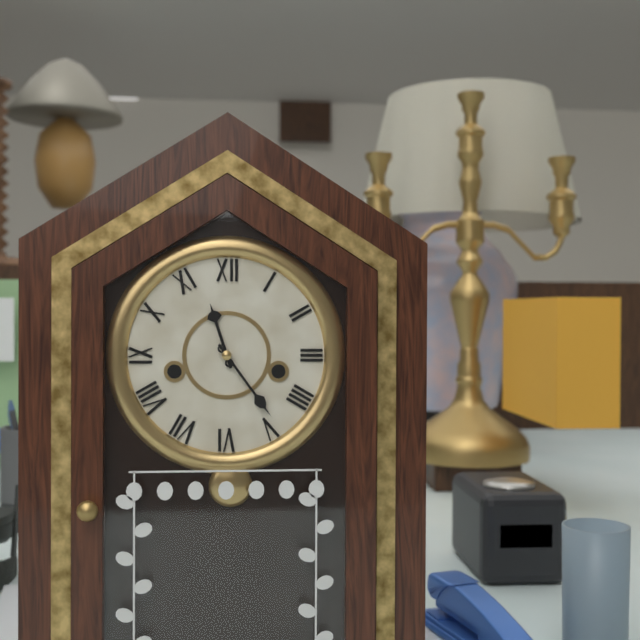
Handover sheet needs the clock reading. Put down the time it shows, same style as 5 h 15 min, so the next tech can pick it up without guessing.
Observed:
11 h 24 min
